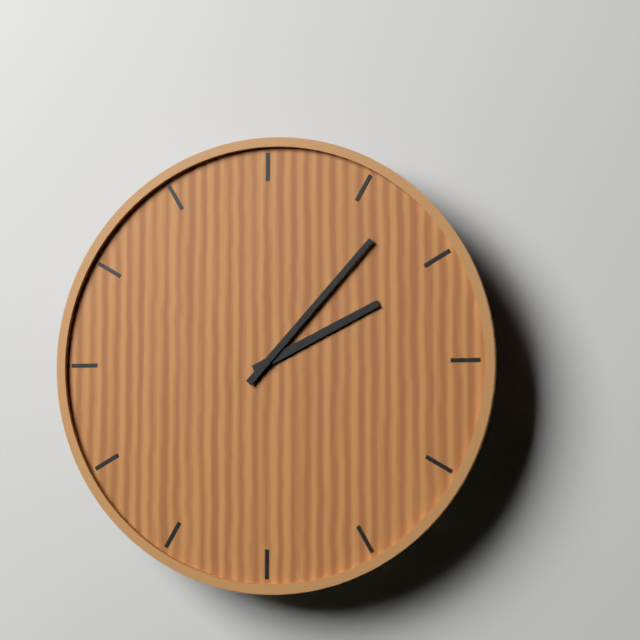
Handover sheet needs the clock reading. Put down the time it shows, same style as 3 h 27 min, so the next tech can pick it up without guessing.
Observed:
2 h 07 min
